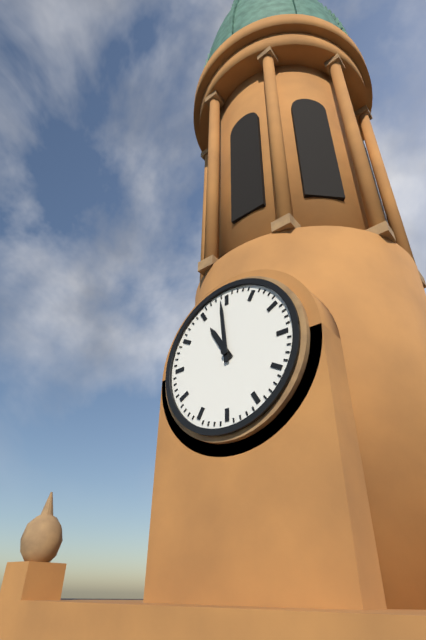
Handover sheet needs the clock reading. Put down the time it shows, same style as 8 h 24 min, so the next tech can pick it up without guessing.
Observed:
10 h 59 min
